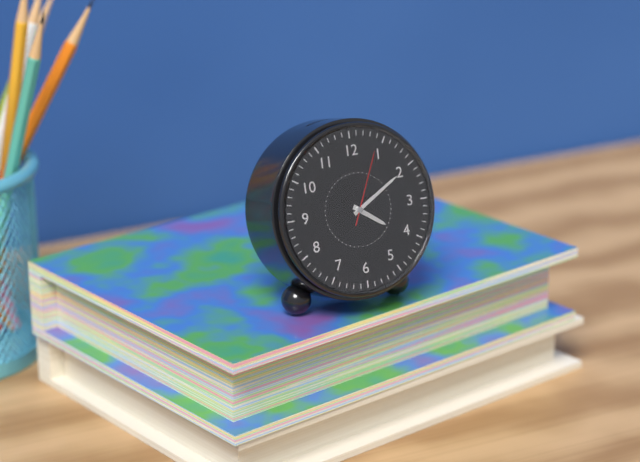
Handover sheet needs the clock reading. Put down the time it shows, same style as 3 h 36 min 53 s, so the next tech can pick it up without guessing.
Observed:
4 h 10 min 04 s
